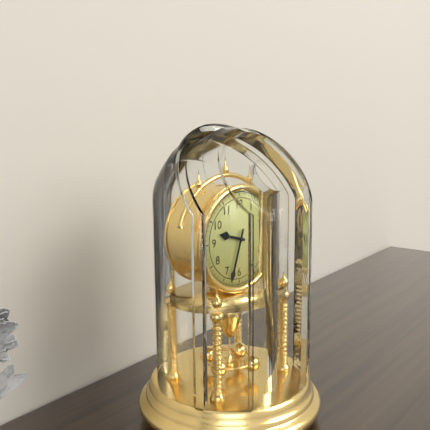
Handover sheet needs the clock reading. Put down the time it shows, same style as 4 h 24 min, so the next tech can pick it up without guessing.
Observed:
9 h 33 min
